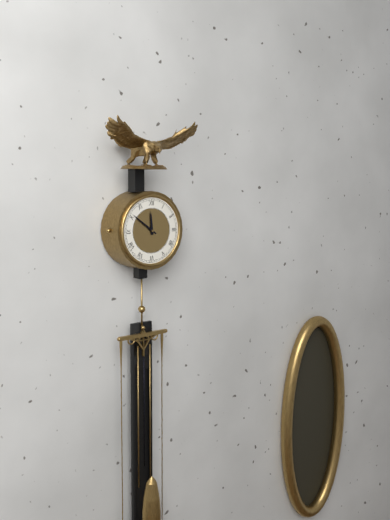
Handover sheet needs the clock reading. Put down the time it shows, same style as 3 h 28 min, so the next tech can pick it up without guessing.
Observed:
11 h 51 min
